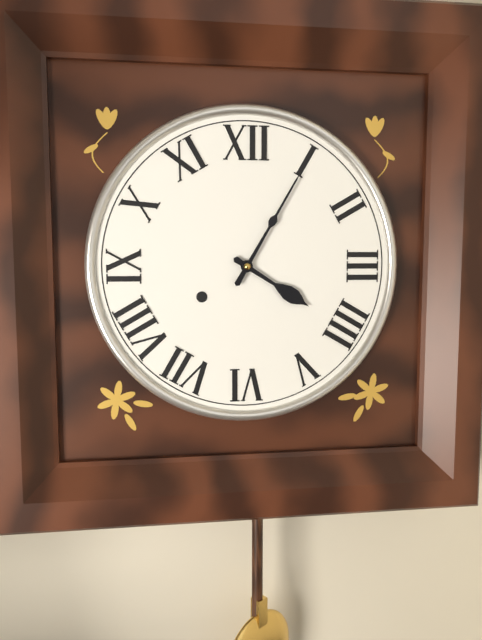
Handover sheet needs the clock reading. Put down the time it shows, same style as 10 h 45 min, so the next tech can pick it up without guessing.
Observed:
4 h 05 min
